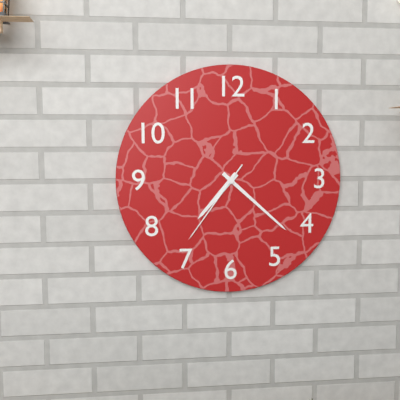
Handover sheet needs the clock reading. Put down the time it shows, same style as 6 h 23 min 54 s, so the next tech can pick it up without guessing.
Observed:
7 h 22 min 36 s
